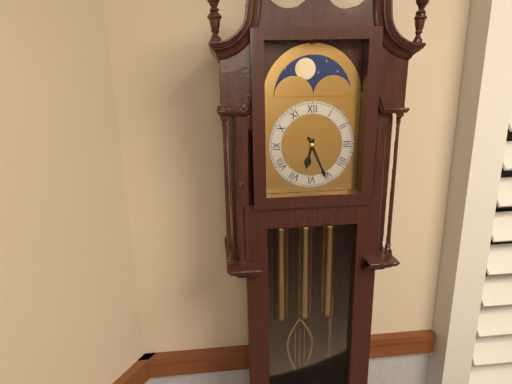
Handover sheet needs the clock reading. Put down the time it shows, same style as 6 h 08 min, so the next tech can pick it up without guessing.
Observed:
6 h 26 min
